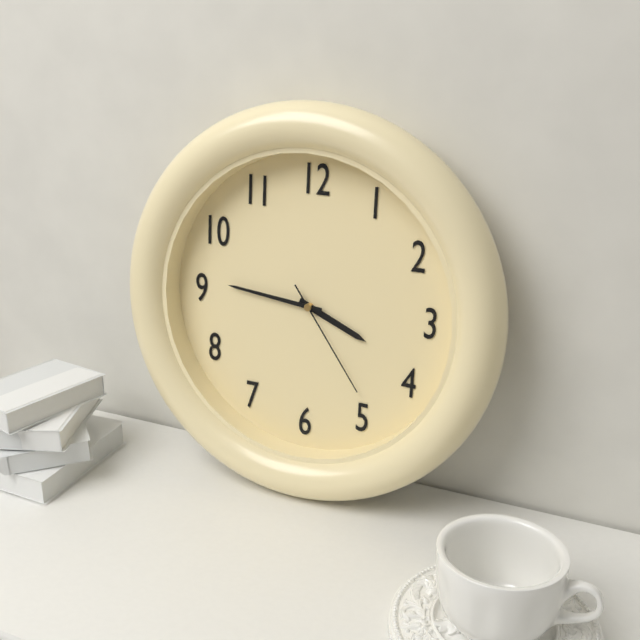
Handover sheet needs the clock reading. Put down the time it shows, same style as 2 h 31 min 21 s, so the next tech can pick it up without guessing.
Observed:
3 h 46 min 24 s
